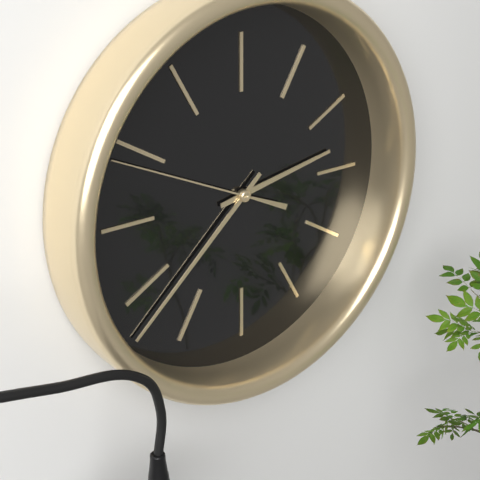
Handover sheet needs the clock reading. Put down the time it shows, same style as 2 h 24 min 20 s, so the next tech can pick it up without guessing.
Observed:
2 h 38 min 49 s
